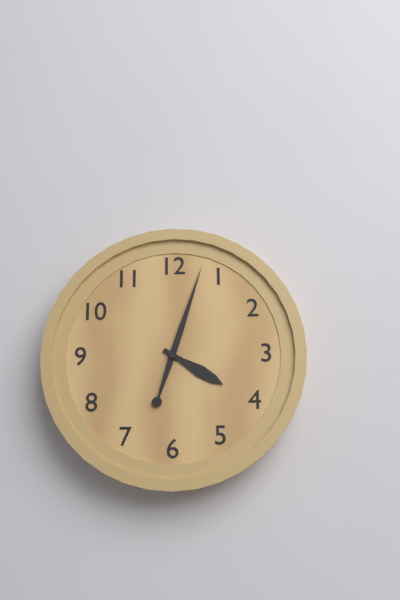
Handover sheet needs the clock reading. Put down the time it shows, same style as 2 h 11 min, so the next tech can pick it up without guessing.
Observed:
4 h 03 min
